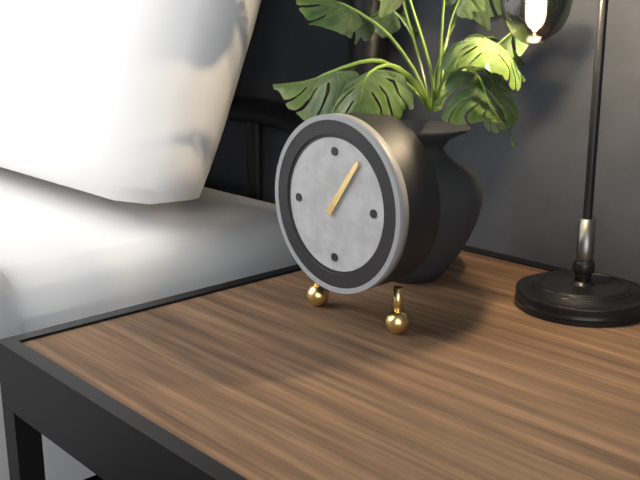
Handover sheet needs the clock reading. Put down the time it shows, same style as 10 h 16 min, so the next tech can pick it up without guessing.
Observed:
1 h 06 min
